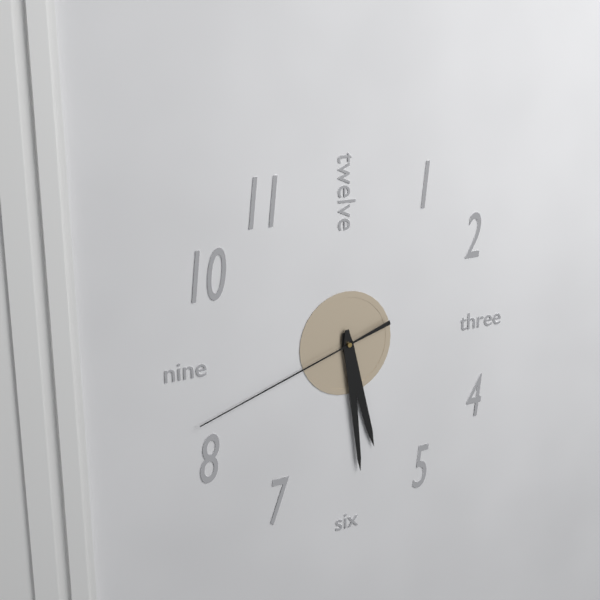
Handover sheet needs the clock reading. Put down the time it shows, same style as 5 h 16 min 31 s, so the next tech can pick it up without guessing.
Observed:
5 h 29 min 42 s
